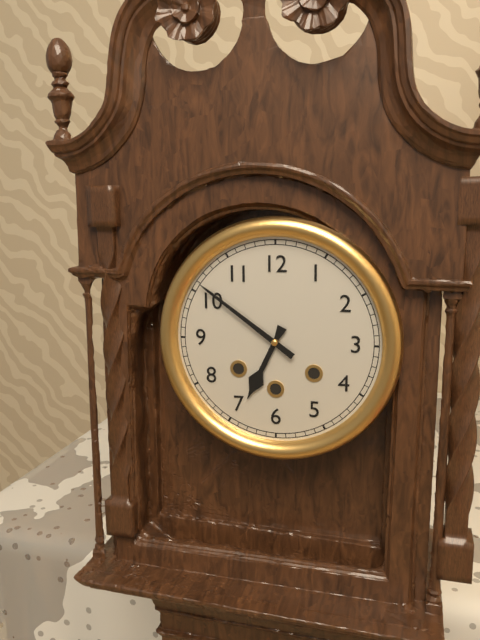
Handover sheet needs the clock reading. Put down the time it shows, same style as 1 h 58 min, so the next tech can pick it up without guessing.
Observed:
6 h 51 min
